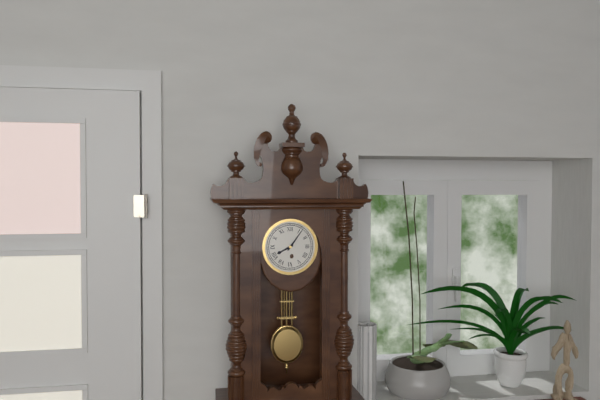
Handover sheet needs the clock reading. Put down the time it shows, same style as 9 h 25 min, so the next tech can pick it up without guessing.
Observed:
8 h 06 min
